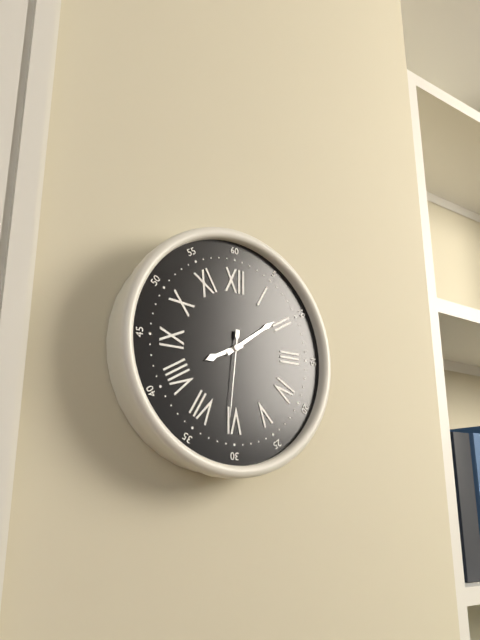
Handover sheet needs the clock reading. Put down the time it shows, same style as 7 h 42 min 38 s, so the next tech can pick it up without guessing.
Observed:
8 h 09 min 31 s
